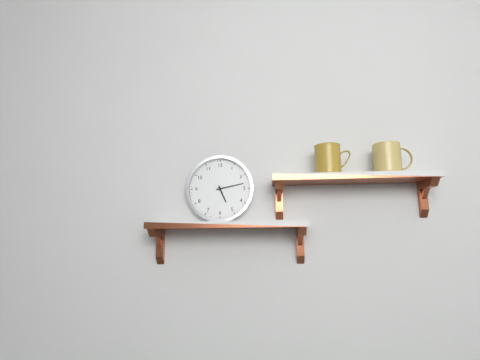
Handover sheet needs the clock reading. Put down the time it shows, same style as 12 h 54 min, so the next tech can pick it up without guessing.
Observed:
5 h 13 min
